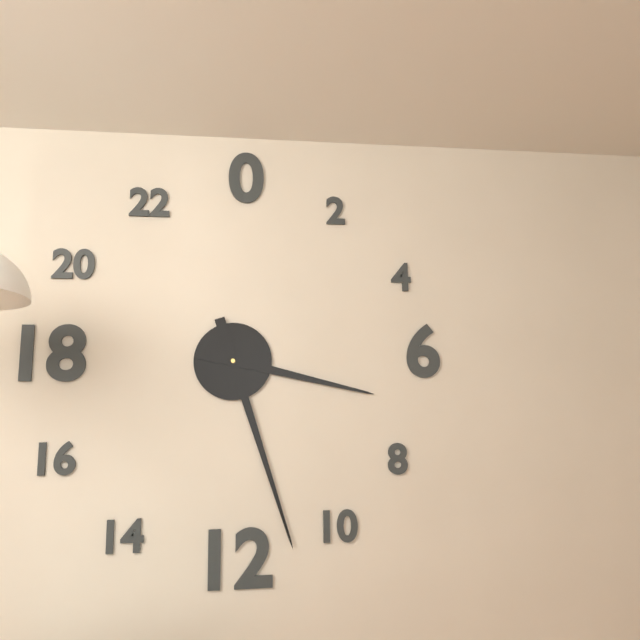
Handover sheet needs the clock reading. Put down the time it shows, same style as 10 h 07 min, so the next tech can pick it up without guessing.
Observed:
3 h 27 min
